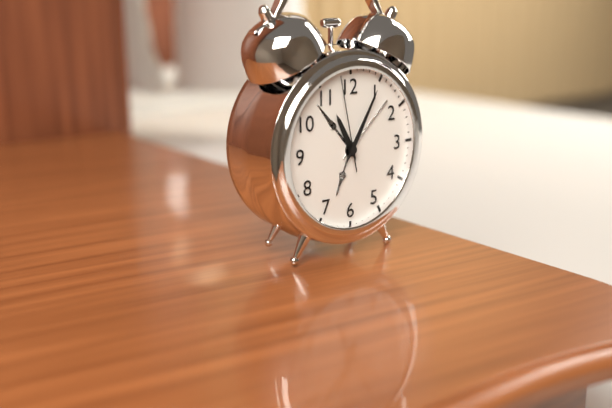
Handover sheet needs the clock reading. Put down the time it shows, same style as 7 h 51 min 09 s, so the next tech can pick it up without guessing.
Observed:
11 h 05 min 58 s
